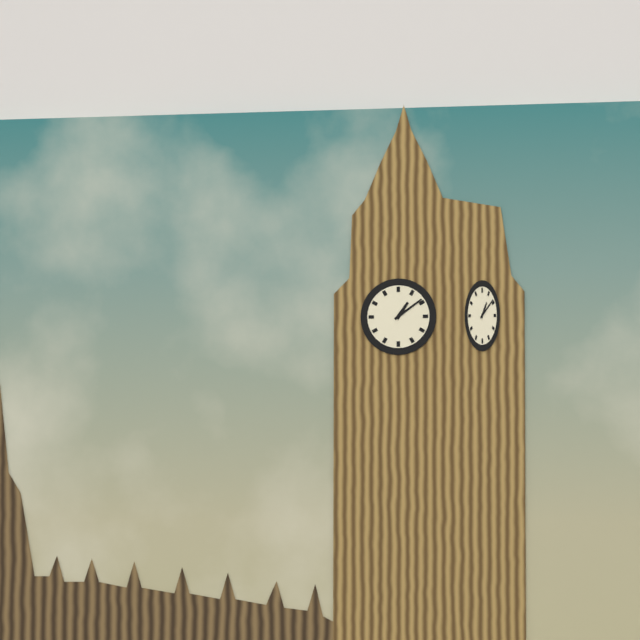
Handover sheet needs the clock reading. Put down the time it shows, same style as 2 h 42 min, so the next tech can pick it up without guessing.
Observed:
1 h 09 min
